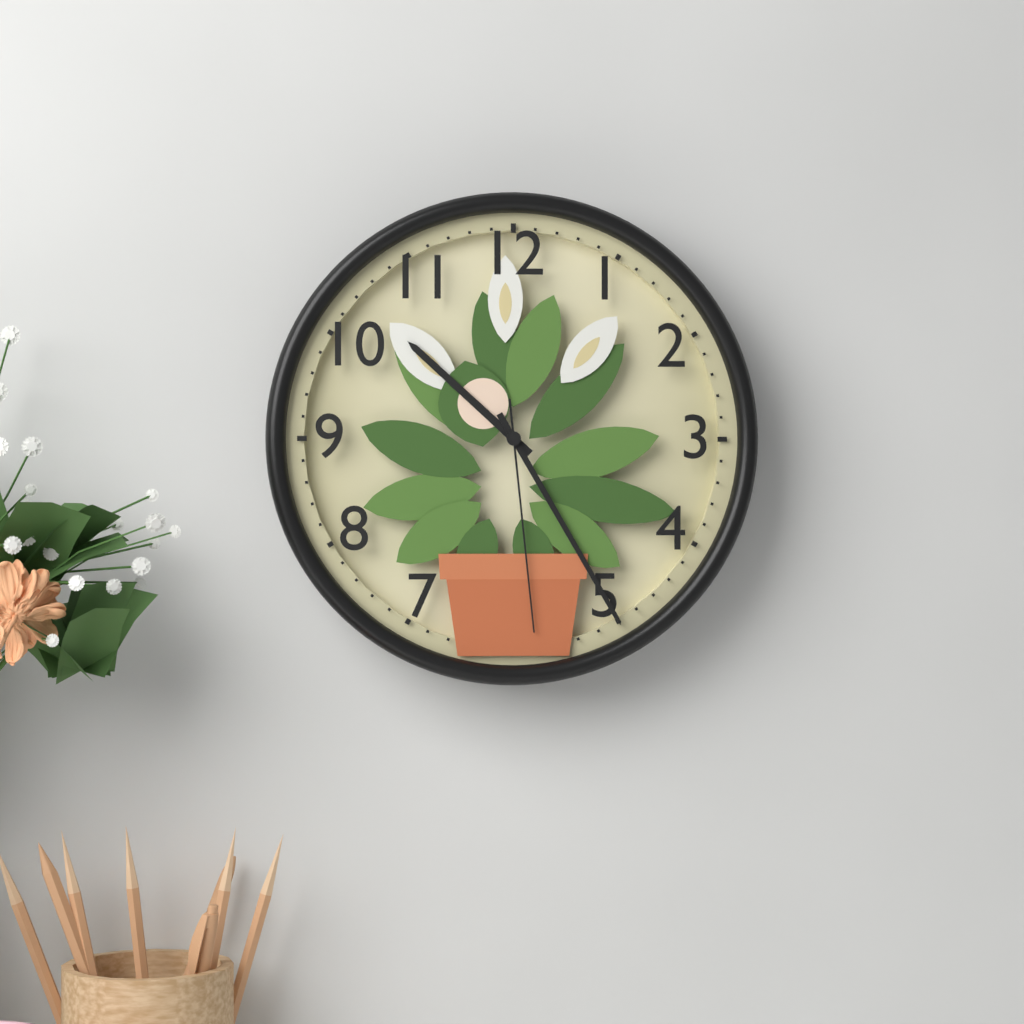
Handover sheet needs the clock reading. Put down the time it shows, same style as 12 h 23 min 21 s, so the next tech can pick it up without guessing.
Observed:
10 h 25 min 29 s
